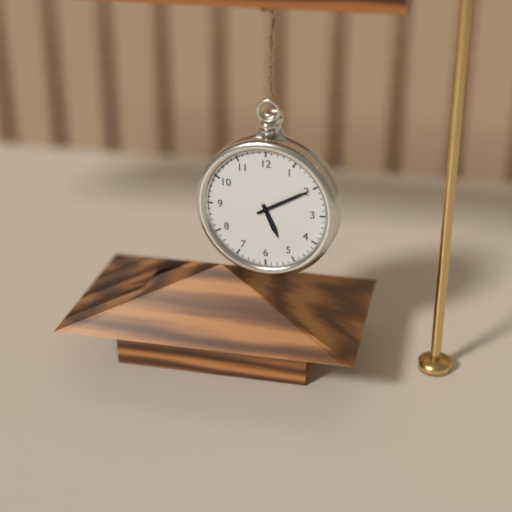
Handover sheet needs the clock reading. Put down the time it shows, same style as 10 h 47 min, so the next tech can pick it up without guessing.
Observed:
5 h 10 min
